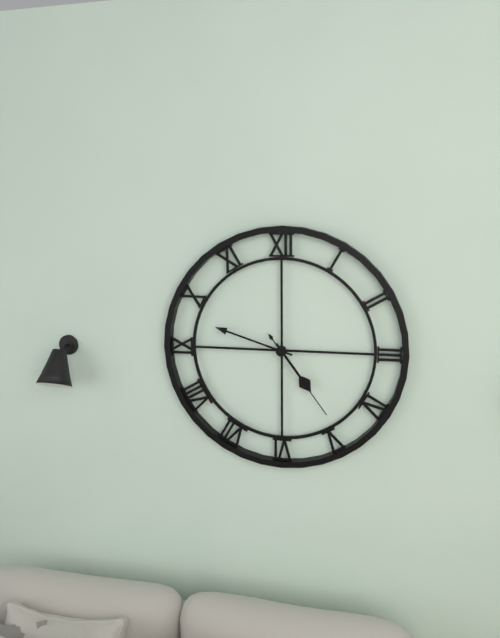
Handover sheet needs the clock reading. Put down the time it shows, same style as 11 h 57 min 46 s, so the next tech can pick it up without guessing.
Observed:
4 h 48 min 24 s
